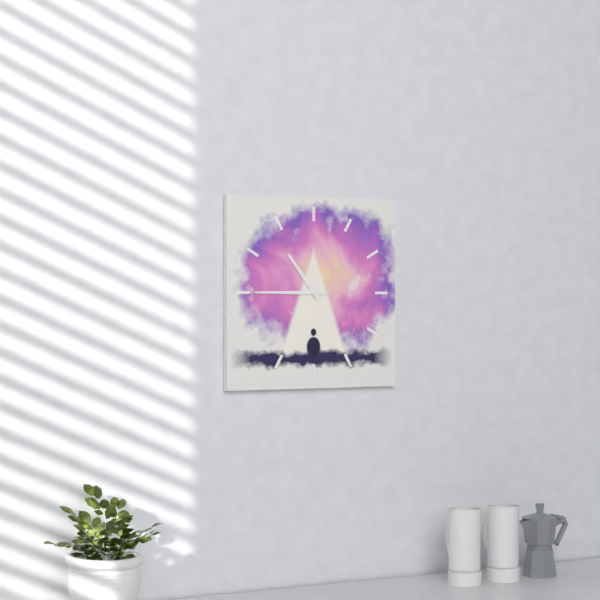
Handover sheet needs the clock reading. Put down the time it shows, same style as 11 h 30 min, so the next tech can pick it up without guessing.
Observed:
10 h 45 min
